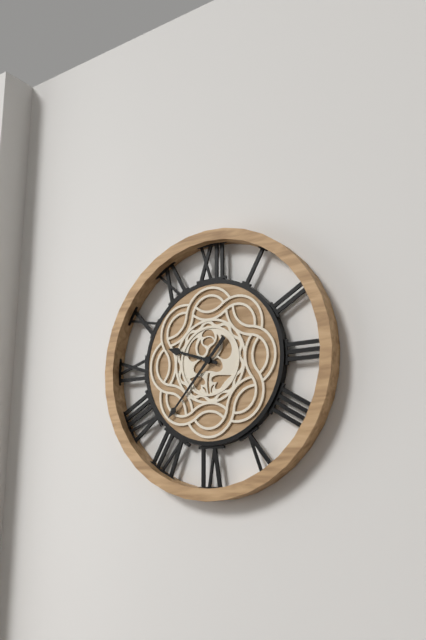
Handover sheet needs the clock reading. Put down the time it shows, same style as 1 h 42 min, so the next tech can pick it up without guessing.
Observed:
9 h 37 min
